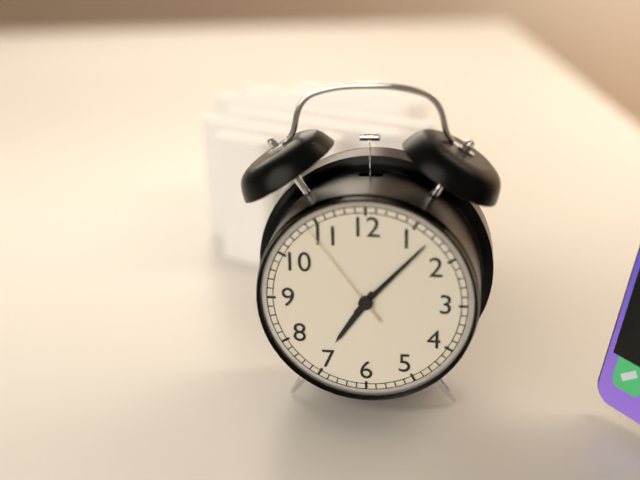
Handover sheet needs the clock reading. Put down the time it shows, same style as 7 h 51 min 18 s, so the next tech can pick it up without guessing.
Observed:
7 h 07 min 54 s
